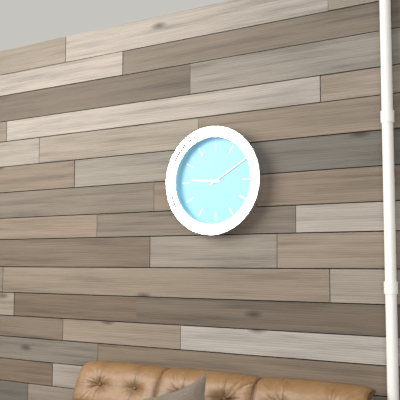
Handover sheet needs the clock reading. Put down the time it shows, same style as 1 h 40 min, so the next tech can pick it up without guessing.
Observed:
9 h 10 min
